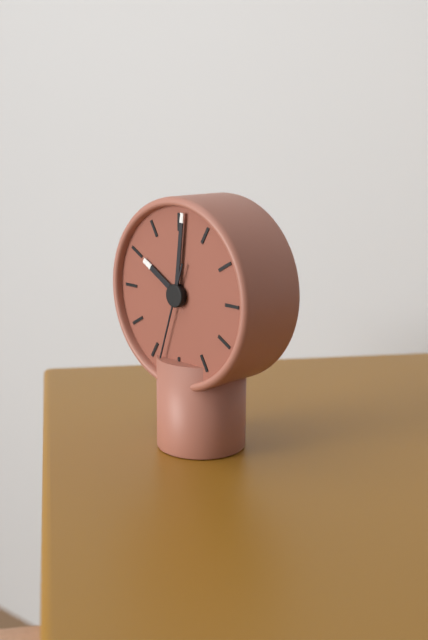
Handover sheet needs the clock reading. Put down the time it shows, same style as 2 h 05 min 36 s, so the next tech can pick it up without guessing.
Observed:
10 h 01 min 33 s
